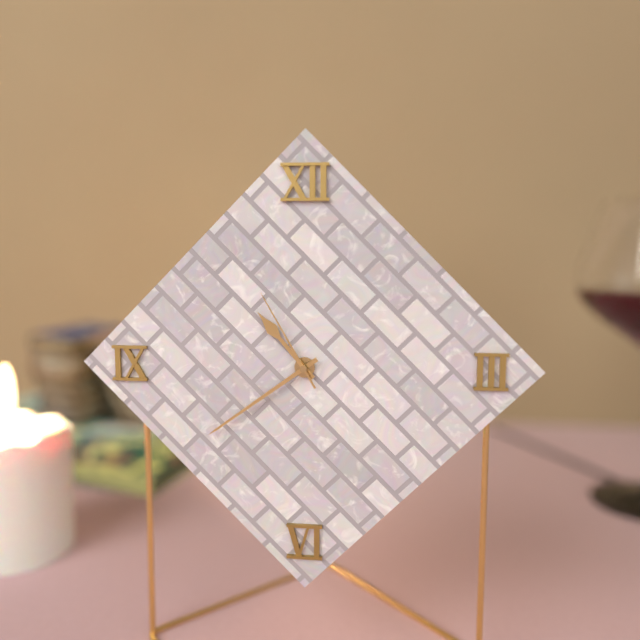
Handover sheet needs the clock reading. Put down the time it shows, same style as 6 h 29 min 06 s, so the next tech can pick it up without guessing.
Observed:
10 h 39 min 55 s
